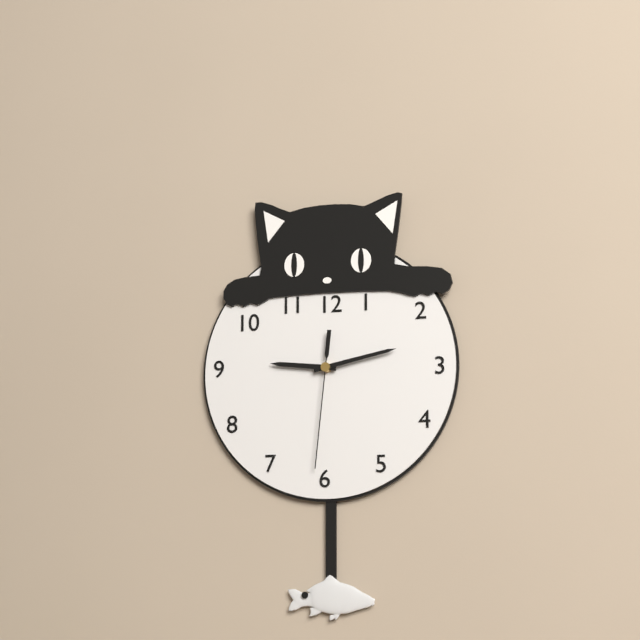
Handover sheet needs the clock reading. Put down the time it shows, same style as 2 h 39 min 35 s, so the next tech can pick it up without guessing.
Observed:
9 h 13 min 31 s
